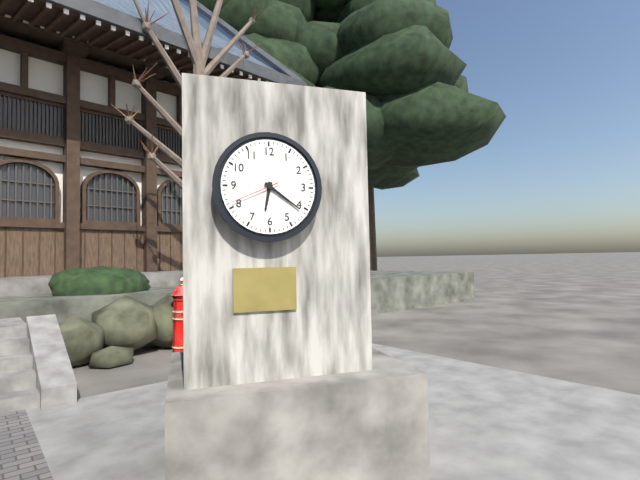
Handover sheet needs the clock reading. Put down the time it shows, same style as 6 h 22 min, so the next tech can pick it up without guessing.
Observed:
6 h 21 min
